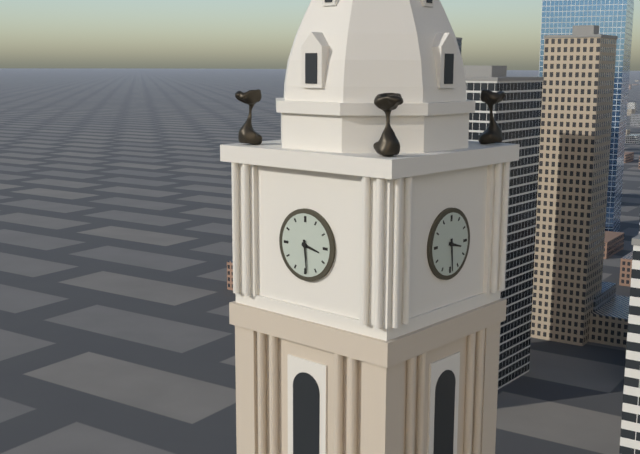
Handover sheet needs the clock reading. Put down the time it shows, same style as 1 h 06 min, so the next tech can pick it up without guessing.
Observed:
3 h 29 min
